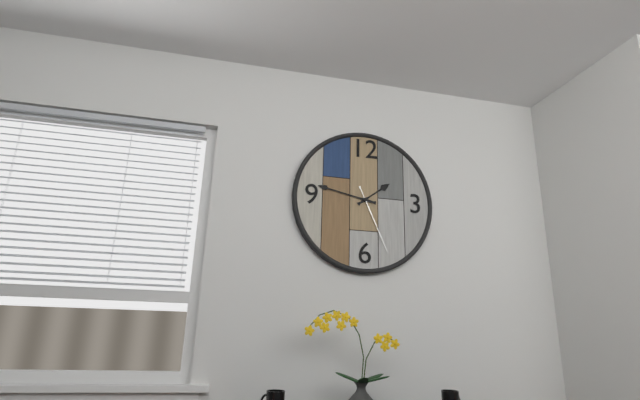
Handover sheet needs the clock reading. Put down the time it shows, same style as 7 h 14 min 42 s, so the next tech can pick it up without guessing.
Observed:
1 h 47 min 26 s
